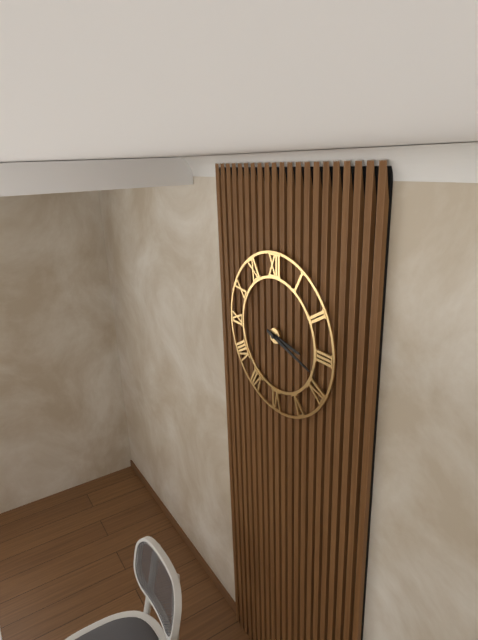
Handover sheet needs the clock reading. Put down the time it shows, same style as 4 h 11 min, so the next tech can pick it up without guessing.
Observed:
3 h 18 min
